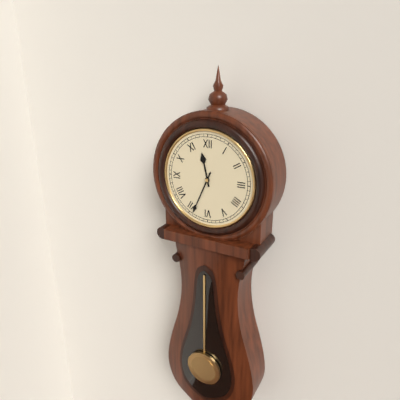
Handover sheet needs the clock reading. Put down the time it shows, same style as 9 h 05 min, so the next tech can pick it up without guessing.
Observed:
11 h 34 min
